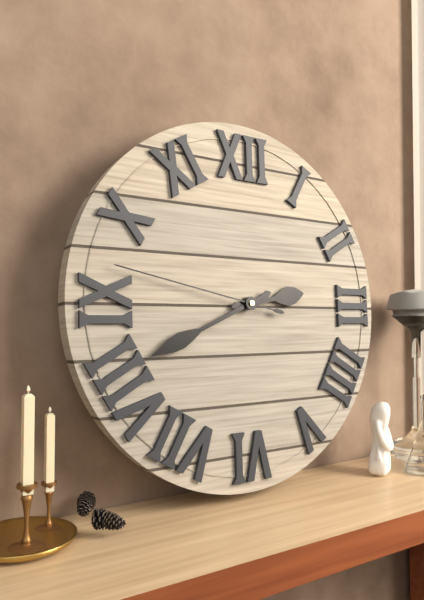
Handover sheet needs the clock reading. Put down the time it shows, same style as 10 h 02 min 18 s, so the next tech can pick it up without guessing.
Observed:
2 h 41 min 47 s
